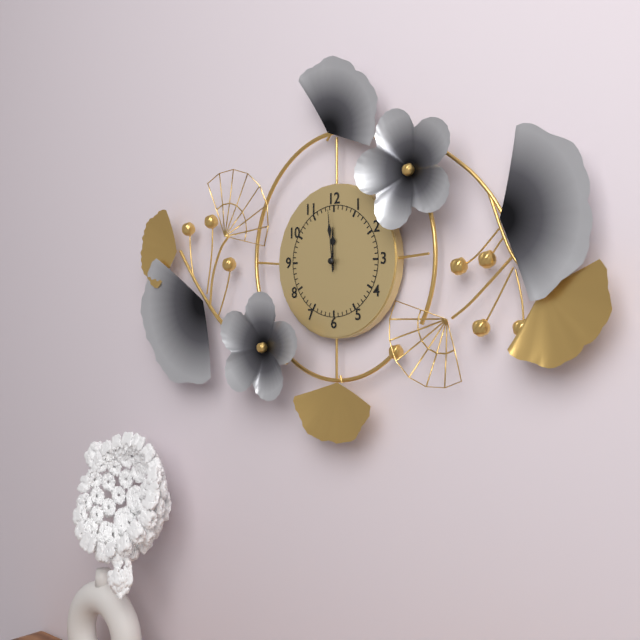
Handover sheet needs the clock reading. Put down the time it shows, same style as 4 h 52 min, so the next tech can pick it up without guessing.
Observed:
11 h 59 min
